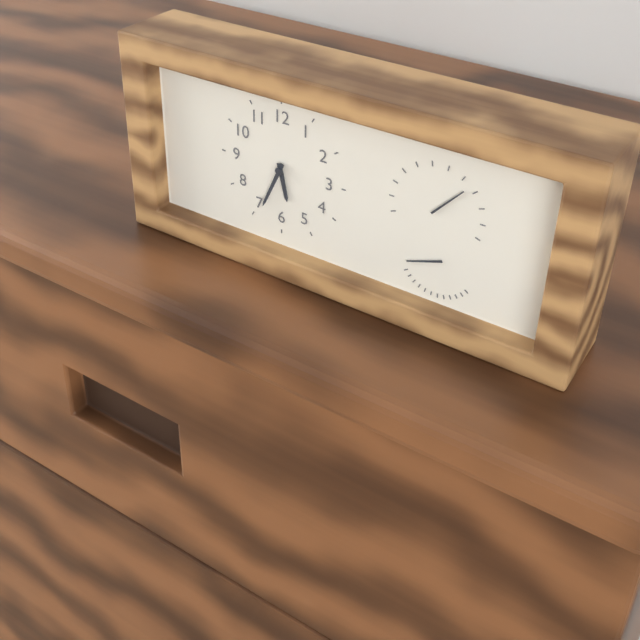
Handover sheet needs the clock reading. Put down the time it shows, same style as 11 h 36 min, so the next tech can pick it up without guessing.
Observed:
5 h 34 min
